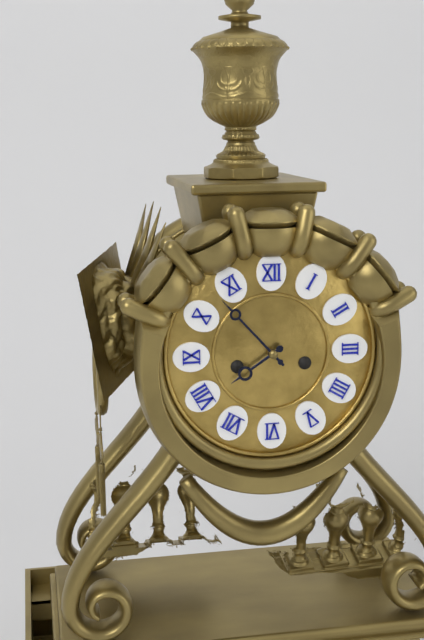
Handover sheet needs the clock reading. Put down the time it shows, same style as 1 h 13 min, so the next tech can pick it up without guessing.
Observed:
7 h 53 min
